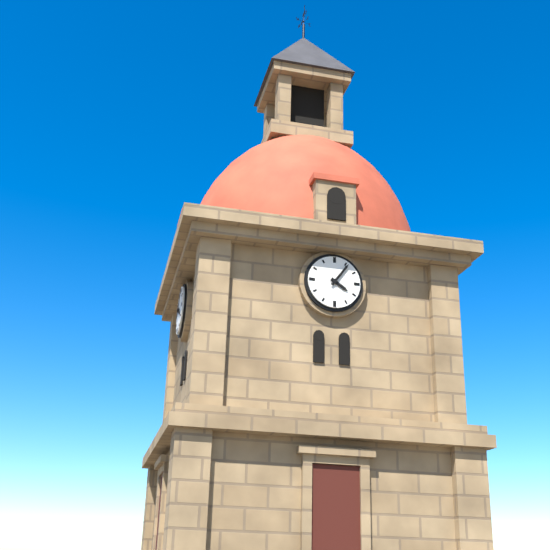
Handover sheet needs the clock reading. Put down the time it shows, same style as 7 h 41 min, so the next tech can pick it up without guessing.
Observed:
4 h 06 min
